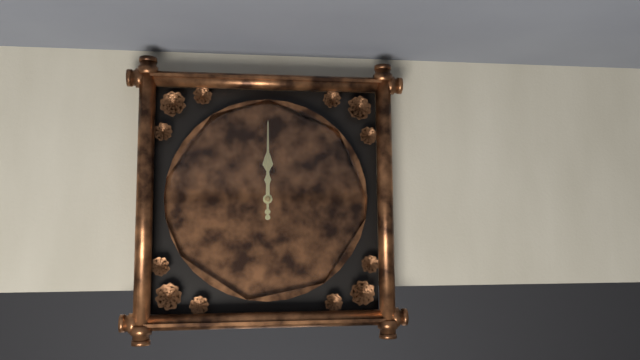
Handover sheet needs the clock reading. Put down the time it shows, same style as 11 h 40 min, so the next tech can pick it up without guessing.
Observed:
12 h 00 min
